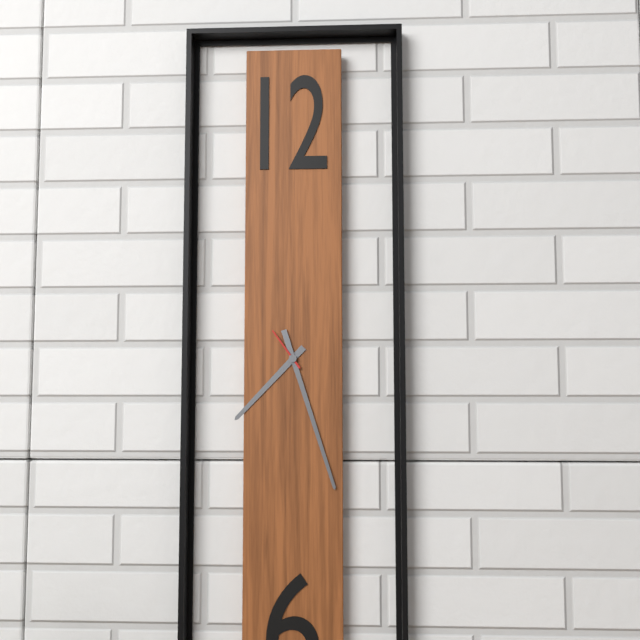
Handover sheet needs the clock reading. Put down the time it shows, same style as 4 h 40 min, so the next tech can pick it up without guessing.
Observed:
7 h 27 min
